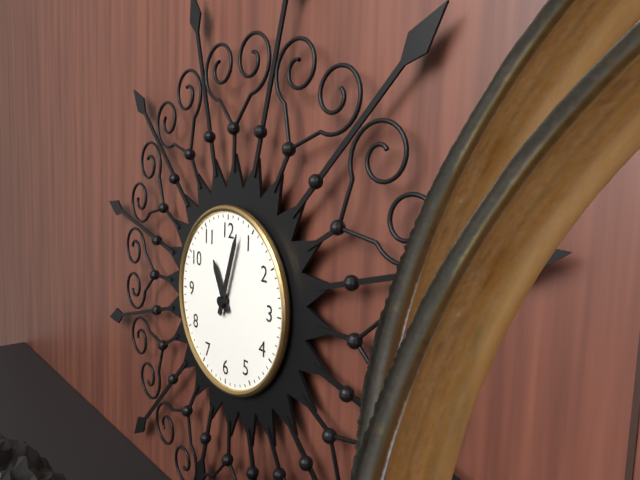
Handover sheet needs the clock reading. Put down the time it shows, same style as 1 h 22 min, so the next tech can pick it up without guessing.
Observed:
11 h 03 min
